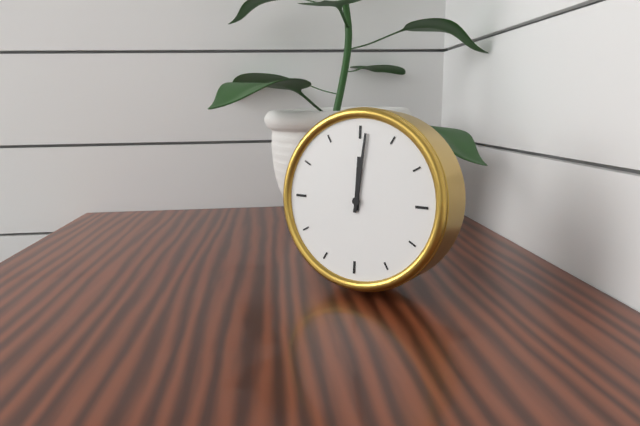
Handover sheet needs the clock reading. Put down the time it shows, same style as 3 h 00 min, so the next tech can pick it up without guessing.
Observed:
12 h 01 min
